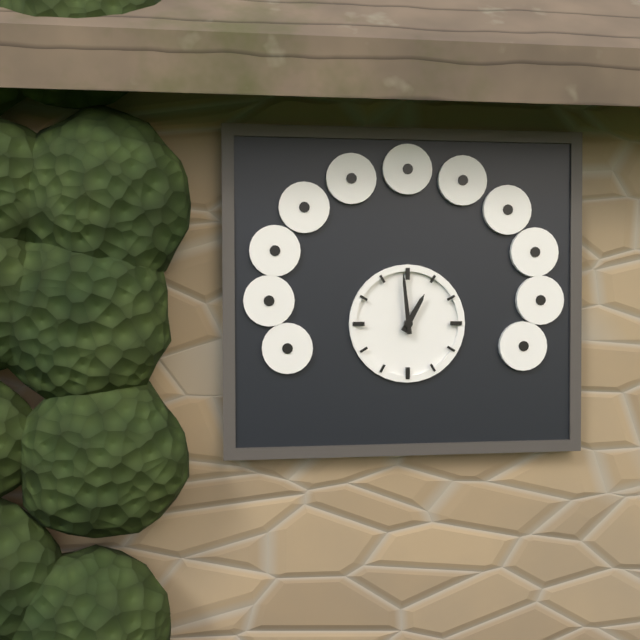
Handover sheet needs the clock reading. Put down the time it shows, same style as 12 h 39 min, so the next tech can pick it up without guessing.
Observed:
12 h 59 min
